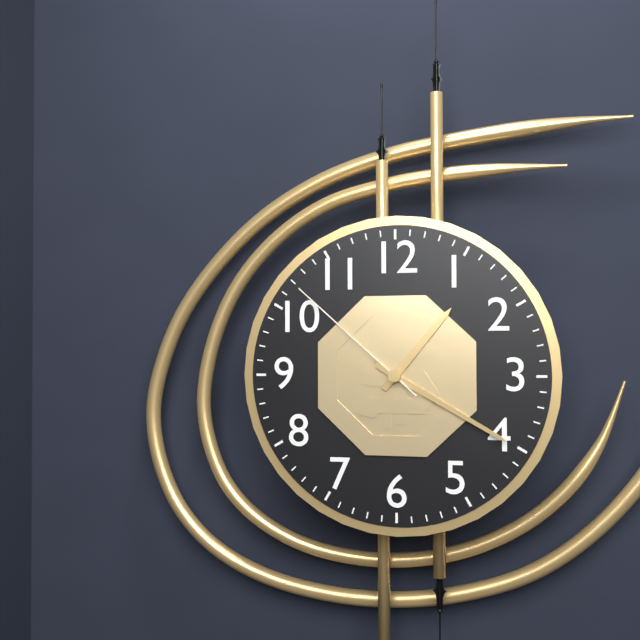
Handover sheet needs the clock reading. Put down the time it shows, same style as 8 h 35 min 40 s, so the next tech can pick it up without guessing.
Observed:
1 h 20 min 52 s
